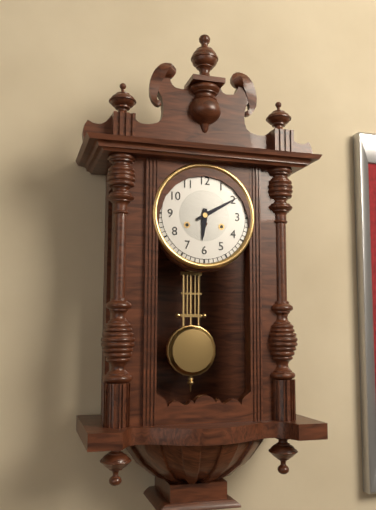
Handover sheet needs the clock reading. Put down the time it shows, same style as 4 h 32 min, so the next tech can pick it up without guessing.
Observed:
6 h 10 min
